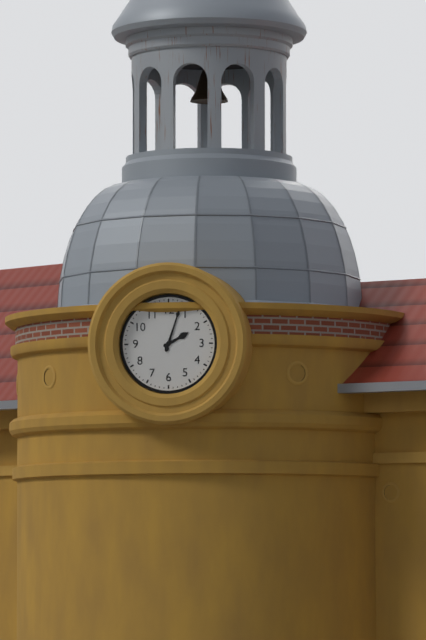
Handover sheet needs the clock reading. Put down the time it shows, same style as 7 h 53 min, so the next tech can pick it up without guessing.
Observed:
2 h 03 min
